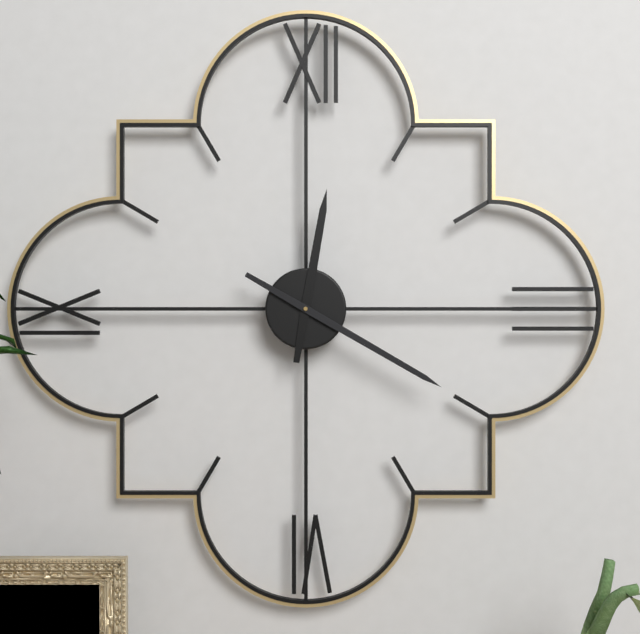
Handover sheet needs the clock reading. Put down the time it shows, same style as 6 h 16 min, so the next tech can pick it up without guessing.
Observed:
12 h 20 min
